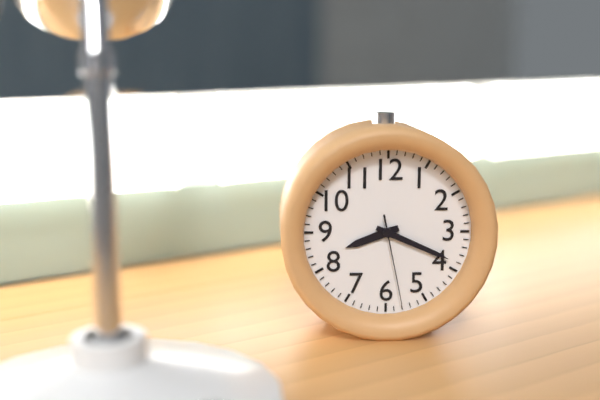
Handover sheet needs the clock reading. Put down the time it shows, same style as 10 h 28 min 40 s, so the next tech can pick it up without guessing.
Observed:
8 h 19 min 28 s
